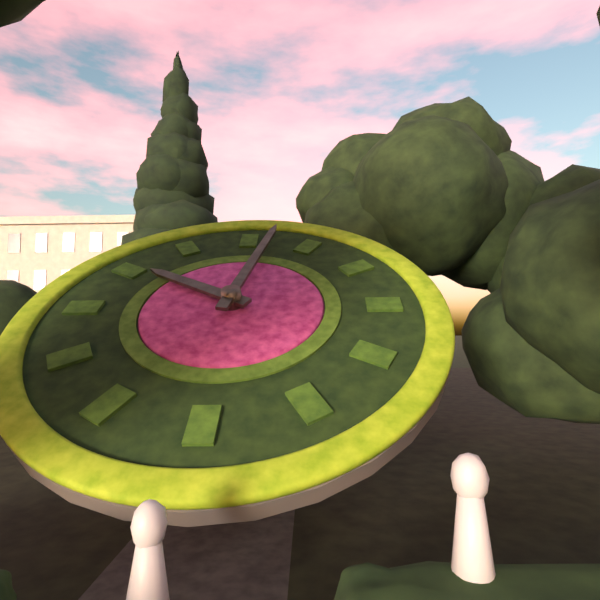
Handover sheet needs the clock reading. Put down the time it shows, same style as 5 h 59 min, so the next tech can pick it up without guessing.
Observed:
10 h 02 min
